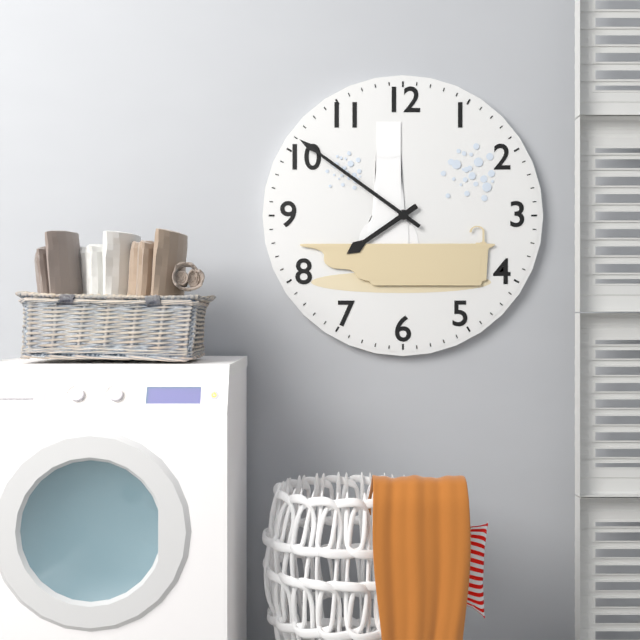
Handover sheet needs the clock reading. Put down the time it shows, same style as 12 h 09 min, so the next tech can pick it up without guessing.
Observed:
7 h 51 min
